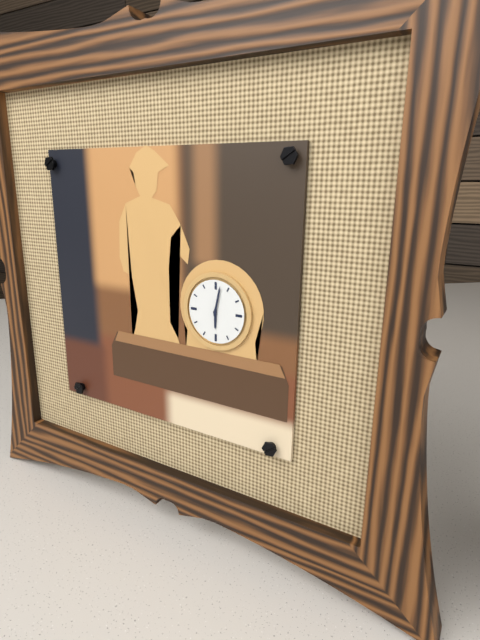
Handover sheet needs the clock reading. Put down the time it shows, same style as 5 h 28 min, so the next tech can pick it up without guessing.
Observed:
6 h 02 min
